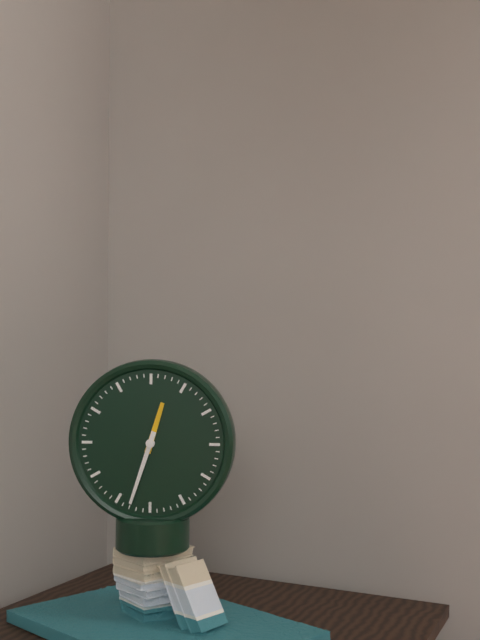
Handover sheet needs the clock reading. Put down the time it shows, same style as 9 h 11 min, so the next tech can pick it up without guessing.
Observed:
12 h 33 min
